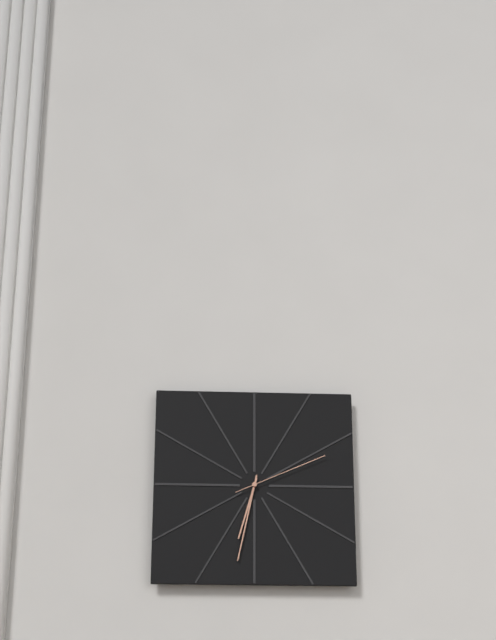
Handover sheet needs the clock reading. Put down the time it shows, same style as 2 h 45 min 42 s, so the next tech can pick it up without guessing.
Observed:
6 h 32 min 11 s
